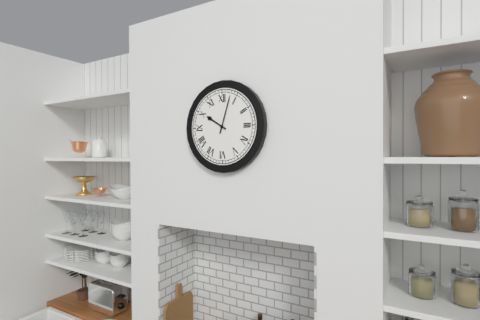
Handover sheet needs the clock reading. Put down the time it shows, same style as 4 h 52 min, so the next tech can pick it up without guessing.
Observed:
10 h 03 min
